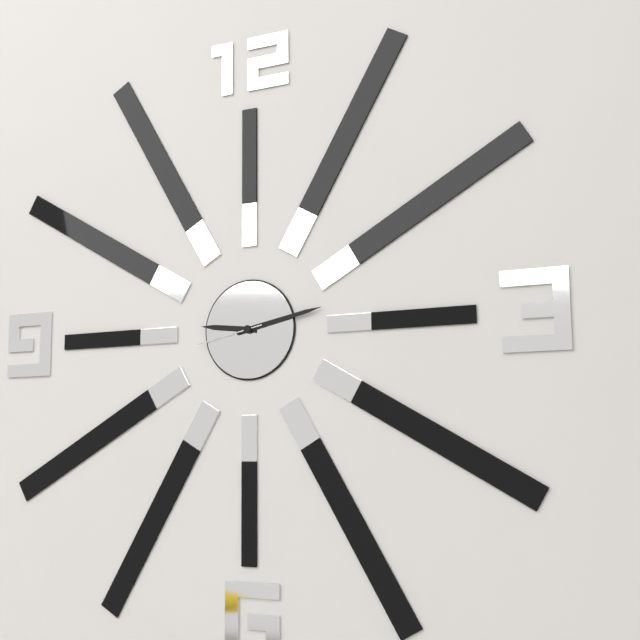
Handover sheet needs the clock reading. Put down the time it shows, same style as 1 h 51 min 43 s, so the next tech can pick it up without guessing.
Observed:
9 h 13 min 43 s
